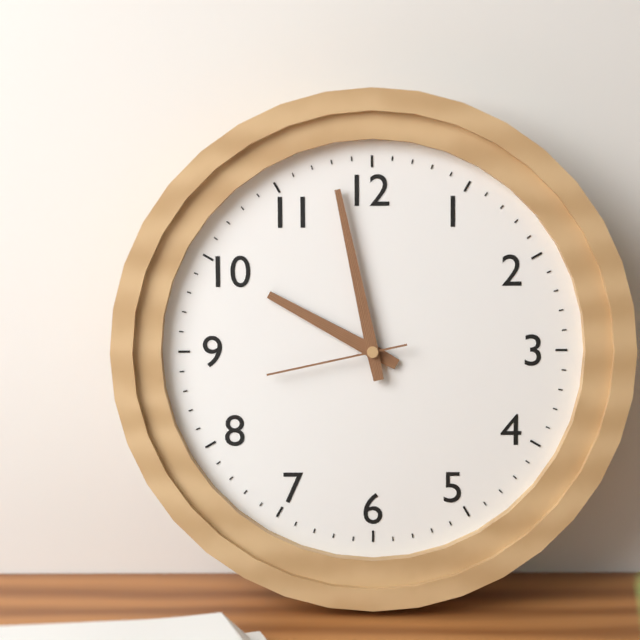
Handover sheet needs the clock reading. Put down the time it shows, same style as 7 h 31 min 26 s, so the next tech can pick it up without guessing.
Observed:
9 h 58 min 43 s
